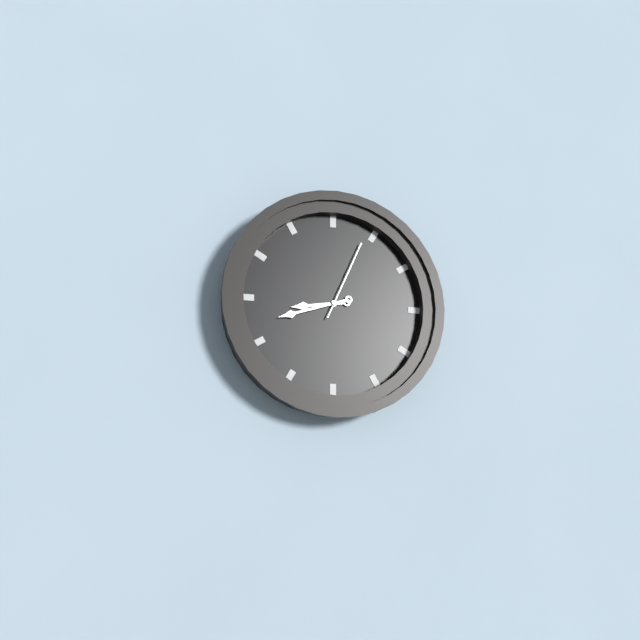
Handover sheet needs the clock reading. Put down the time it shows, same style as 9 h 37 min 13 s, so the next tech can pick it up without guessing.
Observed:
8 h 42 min 04 s
